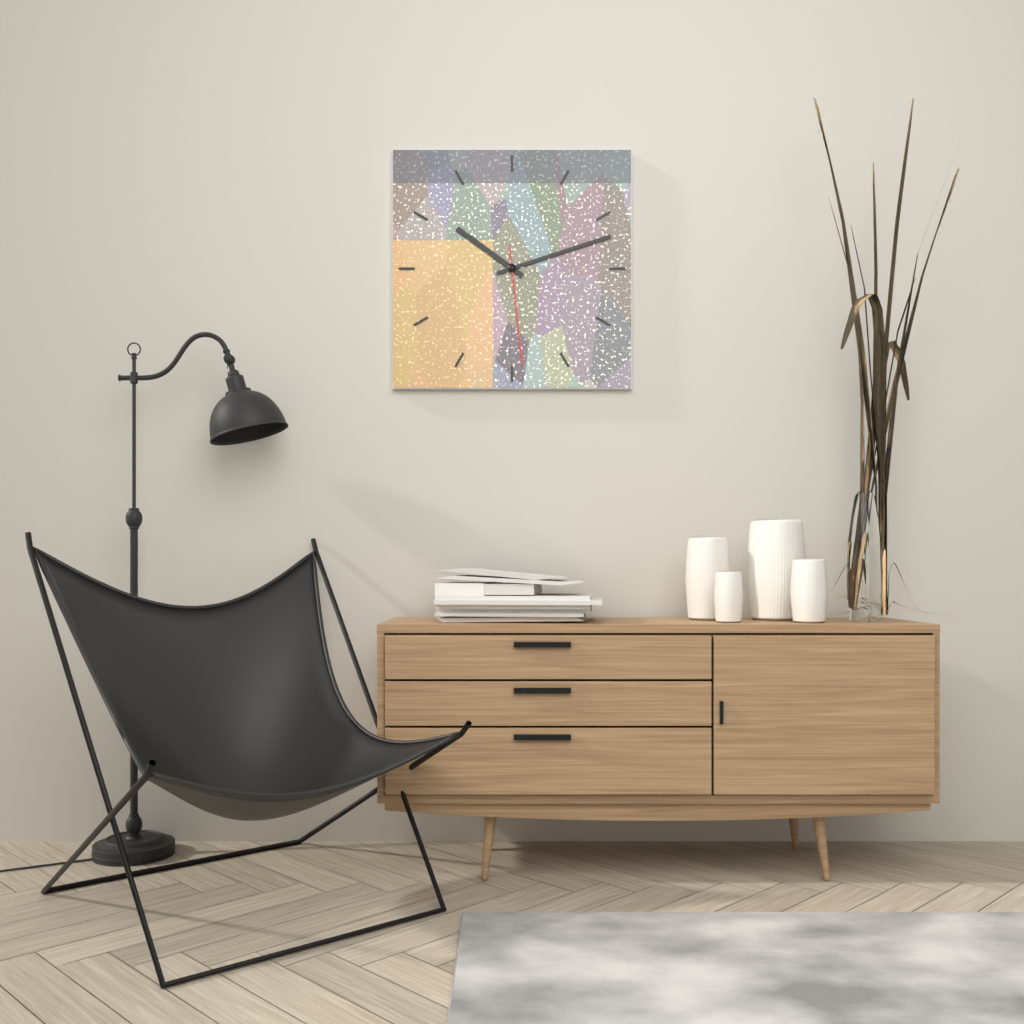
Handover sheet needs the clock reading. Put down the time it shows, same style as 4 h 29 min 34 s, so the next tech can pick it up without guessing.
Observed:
10 h 12 min 29 s
